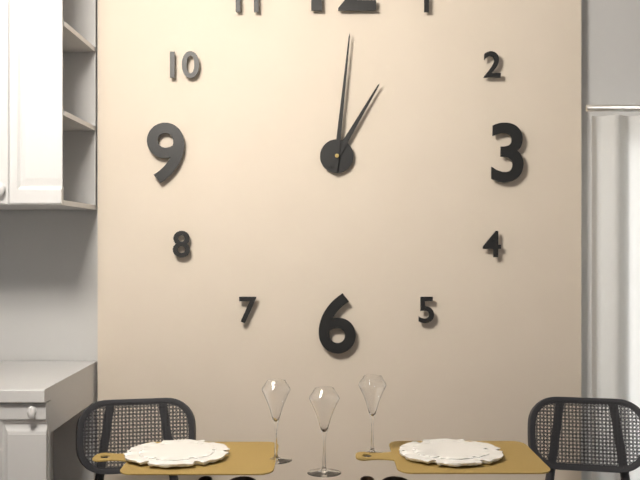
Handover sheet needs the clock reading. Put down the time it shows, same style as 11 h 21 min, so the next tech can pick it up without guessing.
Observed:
1 h 01 min
